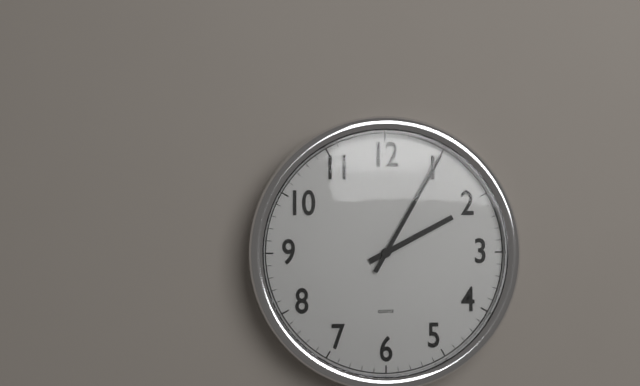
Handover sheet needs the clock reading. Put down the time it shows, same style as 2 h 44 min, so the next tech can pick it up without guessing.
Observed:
2 h 05 min
